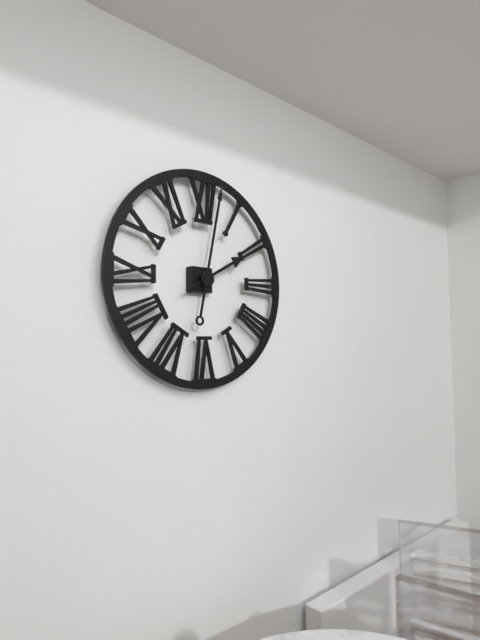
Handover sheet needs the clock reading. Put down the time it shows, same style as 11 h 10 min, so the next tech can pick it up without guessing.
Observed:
2 h 02 min
